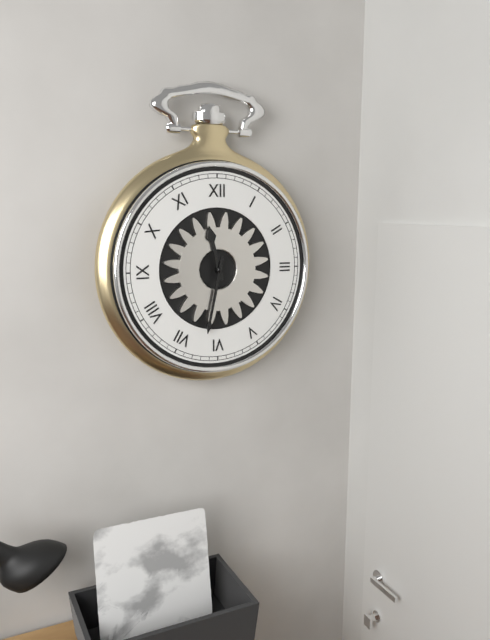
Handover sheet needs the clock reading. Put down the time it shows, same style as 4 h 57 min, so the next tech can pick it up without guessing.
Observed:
11 h 32 min
